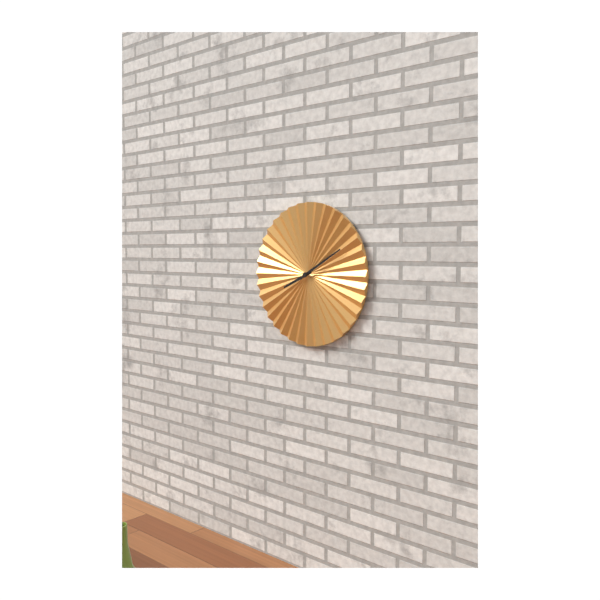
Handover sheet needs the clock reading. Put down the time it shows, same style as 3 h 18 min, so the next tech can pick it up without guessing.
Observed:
8 h 10 min
